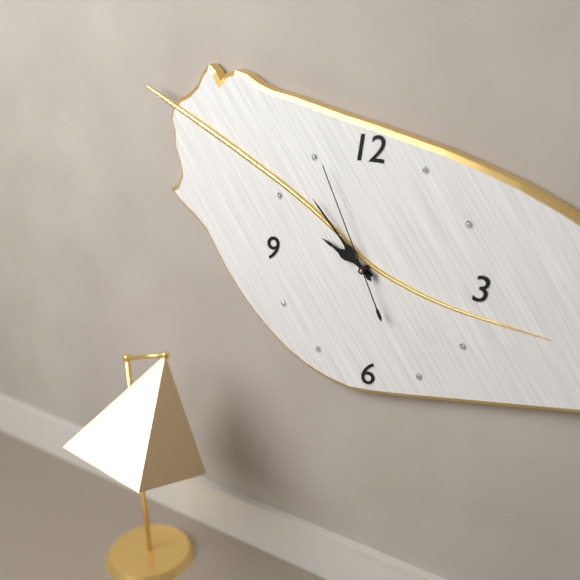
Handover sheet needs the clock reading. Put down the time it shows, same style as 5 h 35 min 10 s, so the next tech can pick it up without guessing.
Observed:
9 h 53 min 56 s
